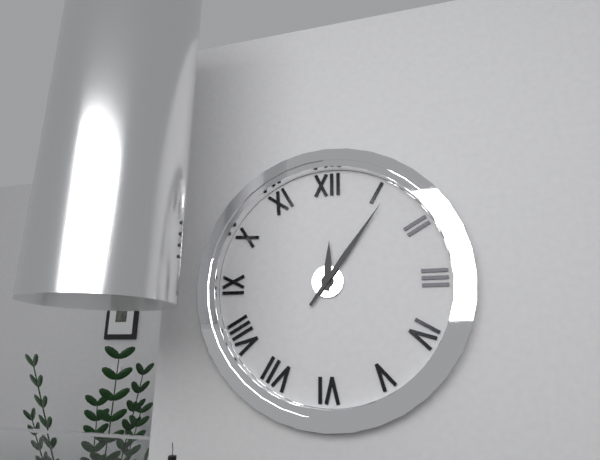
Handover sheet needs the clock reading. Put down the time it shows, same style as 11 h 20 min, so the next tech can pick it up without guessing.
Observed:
12 h 06 min
